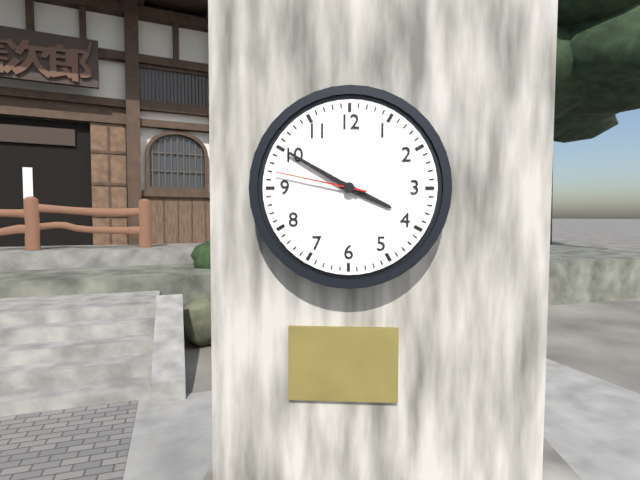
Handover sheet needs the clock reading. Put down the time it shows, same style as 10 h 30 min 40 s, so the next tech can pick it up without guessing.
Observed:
3 h 50 min 47 s
